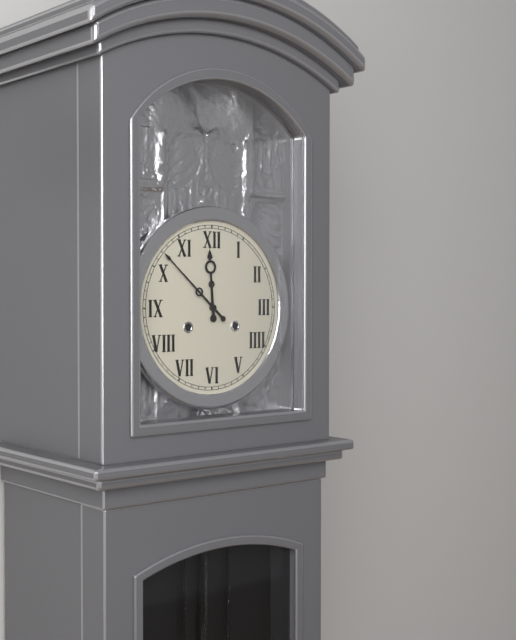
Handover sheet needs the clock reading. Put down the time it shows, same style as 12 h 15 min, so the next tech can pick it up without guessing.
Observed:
11 h 52 min
